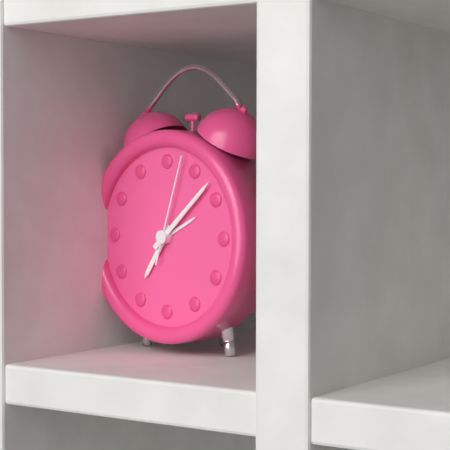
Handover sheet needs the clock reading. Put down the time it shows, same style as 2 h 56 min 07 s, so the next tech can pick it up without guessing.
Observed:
7 h 08 min 03 s
